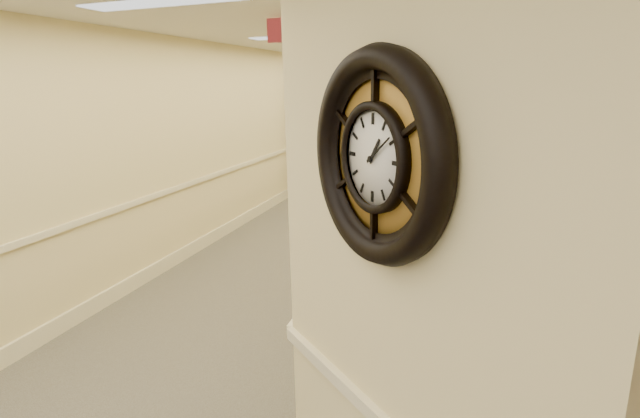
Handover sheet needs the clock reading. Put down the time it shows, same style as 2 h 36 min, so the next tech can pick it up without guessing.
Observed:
1 h 09 min
